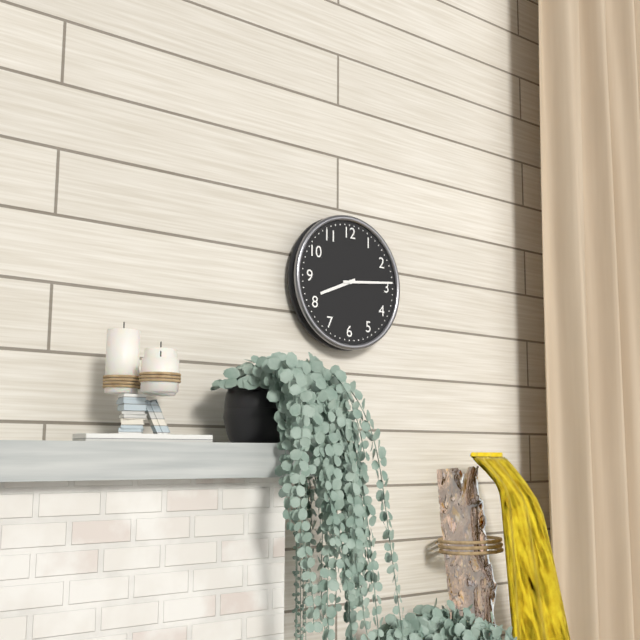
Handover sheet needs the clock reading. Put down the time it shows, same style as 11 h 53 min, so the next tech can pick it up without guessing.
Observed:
8 h 14 min
